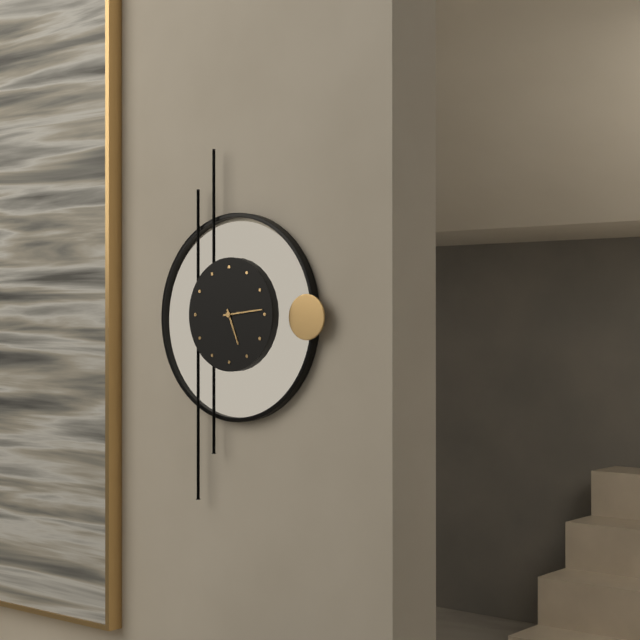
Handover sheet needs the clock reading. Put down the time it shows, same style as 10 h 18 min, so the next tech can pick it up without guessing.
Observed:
5 h 14 min
